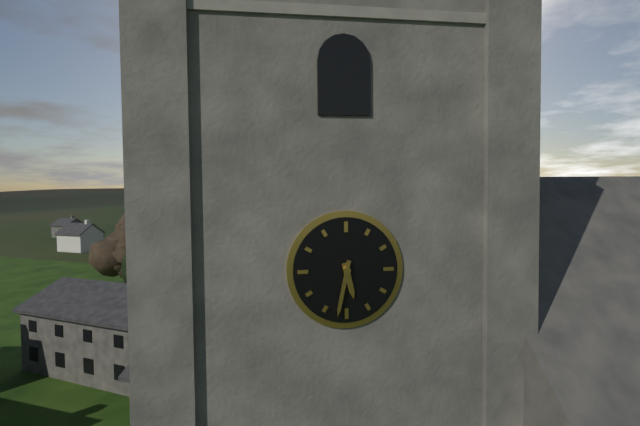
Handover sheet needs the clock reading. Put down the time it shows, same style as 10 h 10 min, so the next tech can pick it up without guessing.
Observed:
5 h 32 min
